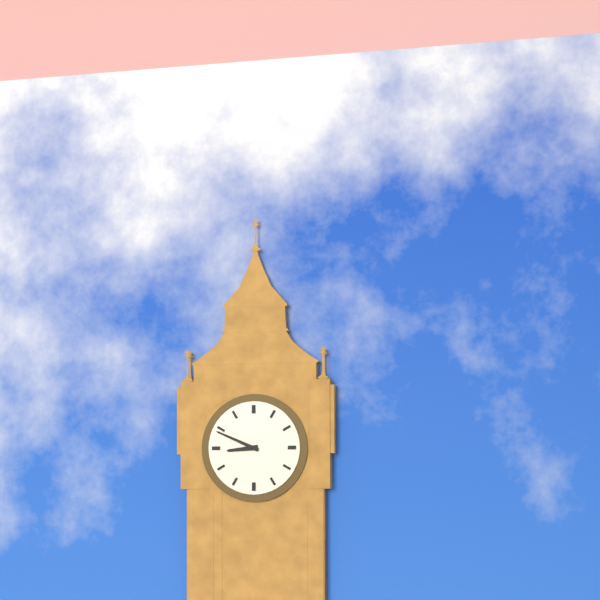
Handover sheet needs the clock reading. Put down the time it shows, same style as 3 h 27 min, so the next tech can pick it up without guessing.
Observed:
8 h 49 min
